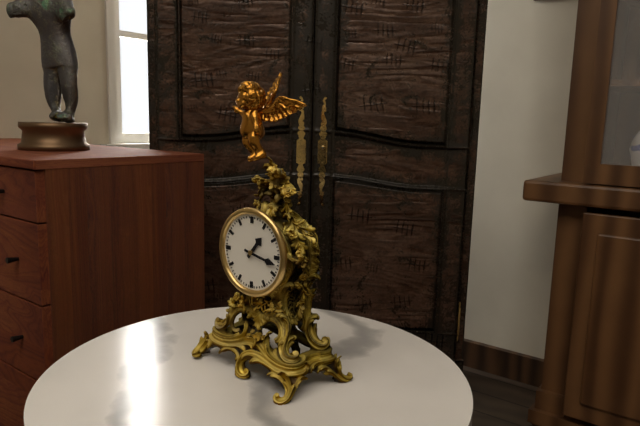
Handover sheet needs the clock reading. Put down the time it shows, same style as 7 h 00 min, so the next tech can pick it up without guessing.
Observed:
1 h 17 min
